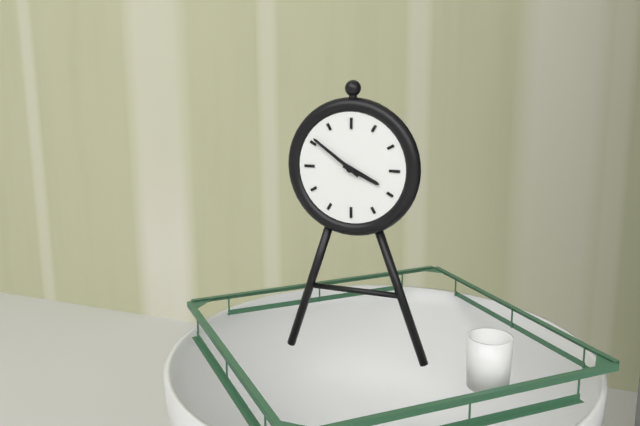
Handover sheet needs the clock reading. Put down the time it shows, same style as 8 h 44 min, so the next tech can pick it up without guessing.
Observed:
3 h 51 min
